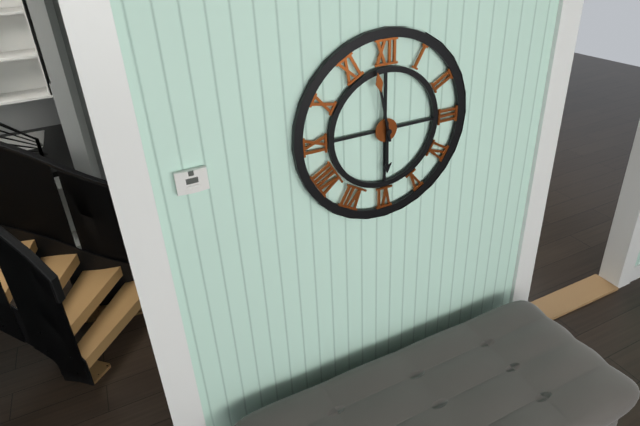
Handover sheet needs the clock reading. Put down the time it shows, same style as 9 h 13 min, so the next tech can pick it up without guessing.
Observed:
5 h 58 min
